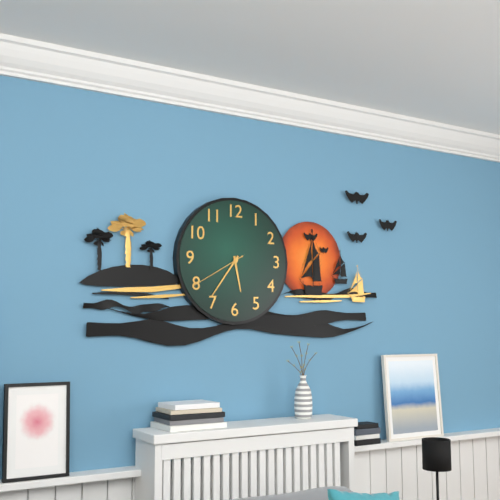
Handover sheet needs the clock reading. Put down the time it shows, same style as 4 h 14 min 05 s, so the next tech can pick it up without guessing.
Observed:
5 h 36 min 40 s
